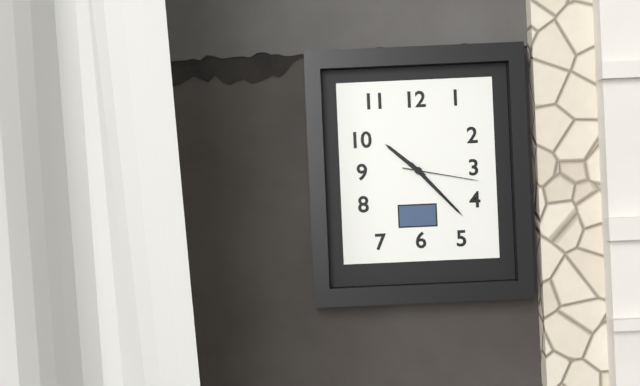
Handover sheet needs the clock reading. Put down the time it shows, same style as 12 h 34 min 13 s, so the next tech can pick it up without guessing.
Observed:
10 h 23 min 17 s
